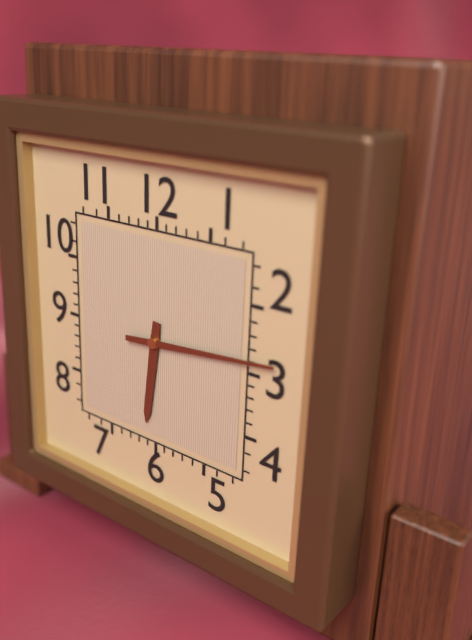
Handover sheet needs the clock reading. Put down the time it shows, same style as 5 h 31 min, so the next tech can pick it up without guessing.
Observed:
6 h 14 min
